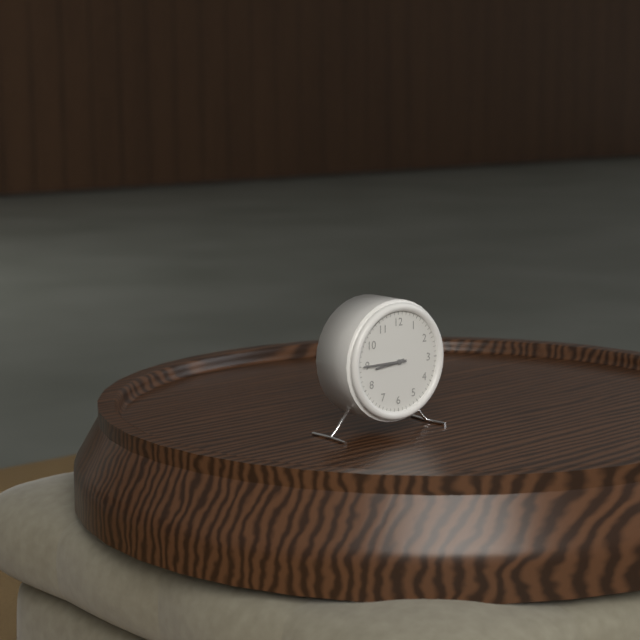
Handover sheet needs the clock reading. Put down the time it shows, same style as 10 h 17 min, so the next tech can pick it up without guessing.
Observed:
8 h 45 min
